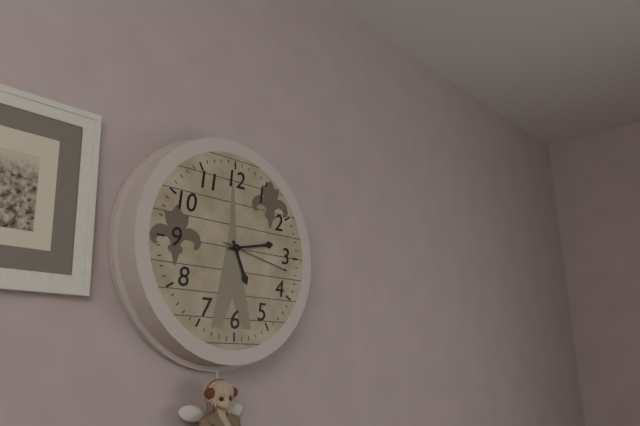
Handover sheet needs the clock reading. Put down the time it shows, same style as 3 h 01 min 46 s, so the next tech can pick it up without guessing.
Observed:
5 h 13 min 17 s
